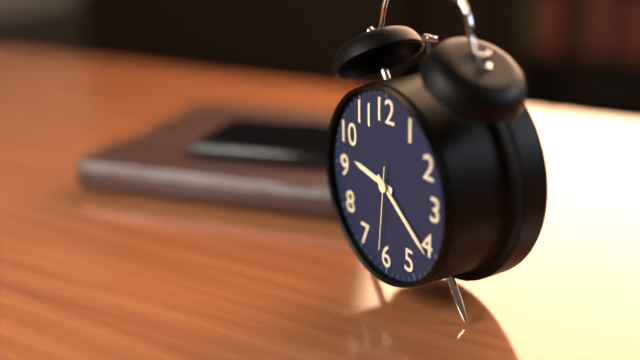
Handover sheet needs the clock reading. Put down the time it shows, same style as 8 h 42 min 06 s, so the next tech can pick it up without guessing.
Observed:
9 h 21 min 31 s
